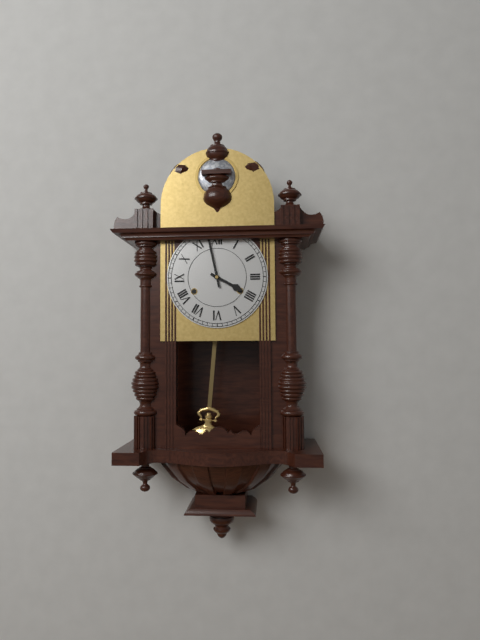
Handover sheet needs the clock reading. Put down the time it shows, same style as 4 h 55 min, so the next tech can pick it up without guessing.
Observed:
3 h 58 min
